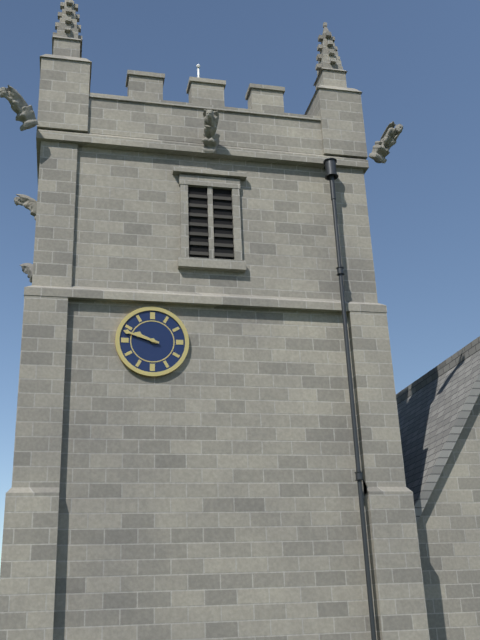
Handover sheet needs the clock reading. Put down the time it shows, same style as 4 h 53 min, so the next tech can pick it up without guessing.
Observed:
9 h 48 min
